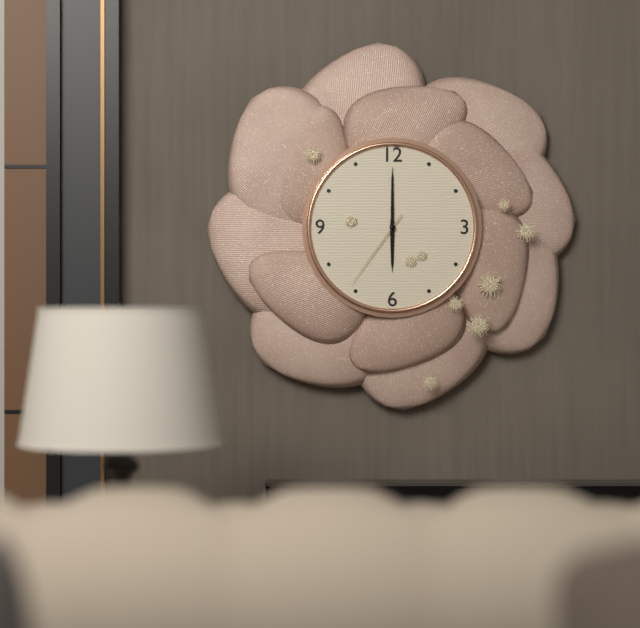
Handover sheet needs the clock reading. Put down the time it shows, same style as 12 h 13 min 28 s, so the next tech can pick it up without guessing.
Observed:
6 h 00 min 36 s
